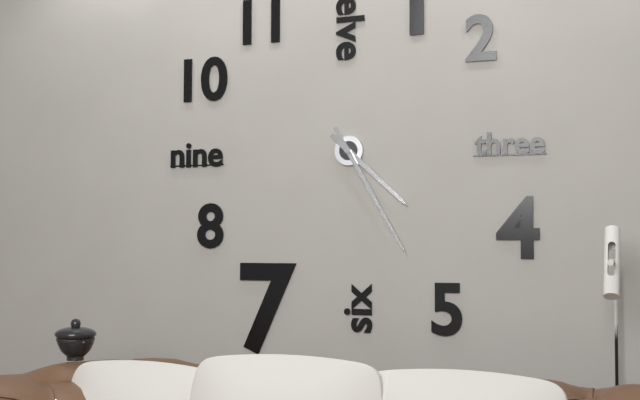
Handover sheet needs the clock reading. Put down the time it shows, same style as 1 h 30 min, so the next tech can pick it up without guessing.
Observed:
4 h 25 min
